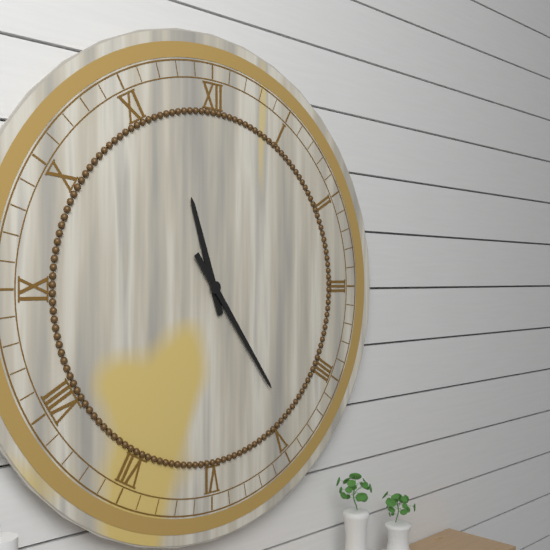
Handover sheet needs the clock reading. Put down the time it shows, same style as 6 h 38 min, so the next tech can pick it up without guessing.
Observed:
11 h 24 min
